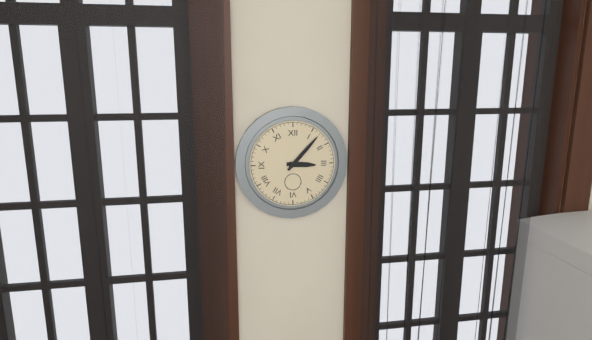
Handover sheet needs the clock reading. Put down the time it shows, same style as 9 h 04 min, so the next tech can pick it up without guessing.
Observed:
3 h 07 min
